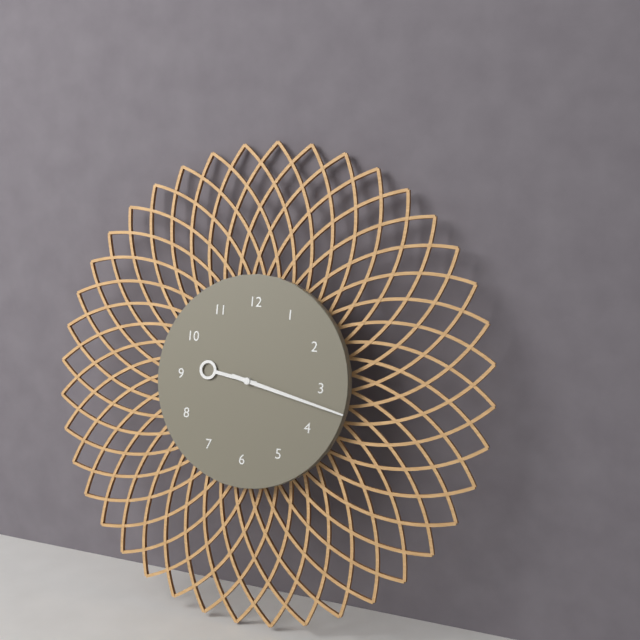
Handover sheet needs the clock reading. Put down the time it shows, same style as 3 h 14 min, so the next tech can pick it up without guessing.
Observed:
9 h 17 min
